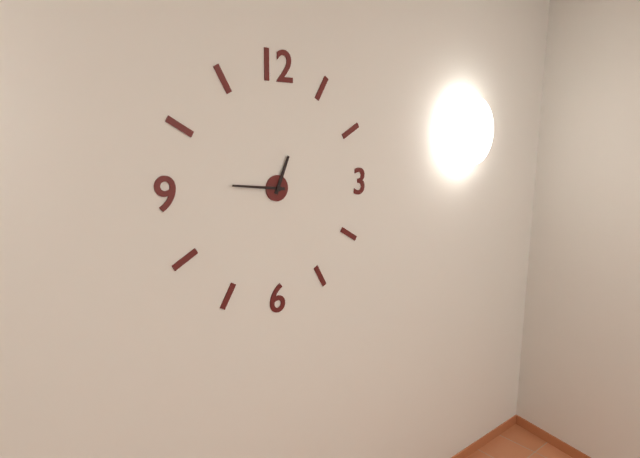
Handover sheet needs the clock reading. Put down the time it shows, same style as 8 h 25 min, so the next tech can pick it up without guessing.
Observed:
12 h 46 min
